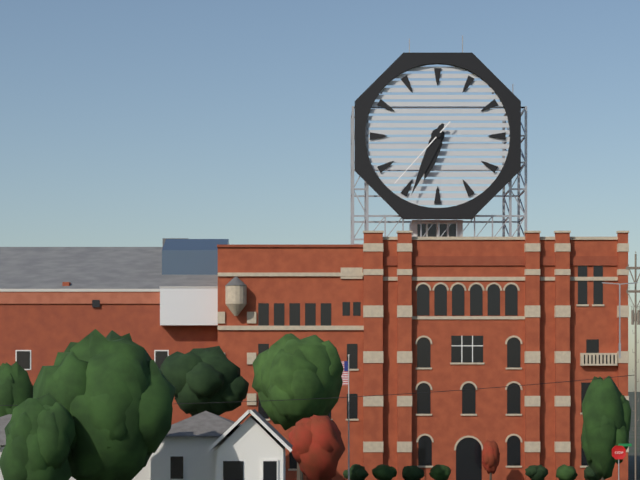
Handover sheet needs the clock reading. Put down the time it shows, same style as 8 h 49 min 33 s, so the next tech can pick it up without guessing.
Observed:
6 h 34 min 37 s
